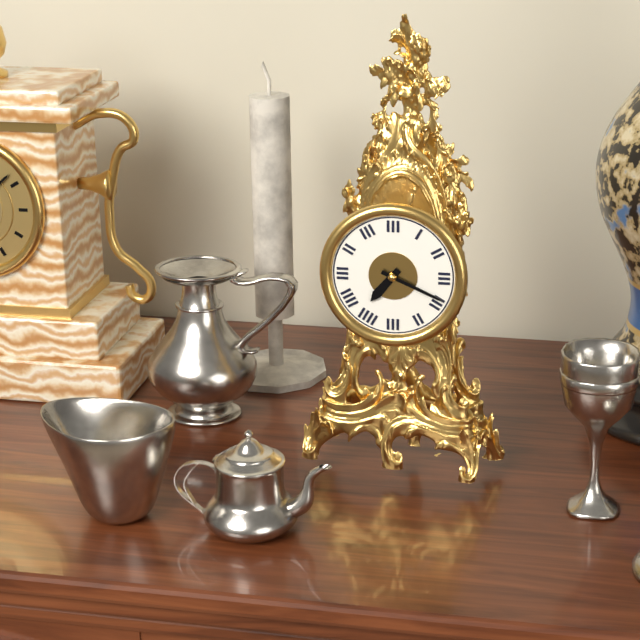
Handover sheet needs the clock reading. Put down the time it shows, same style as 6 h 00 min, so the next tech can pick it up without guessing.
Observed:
7 h 19 min
